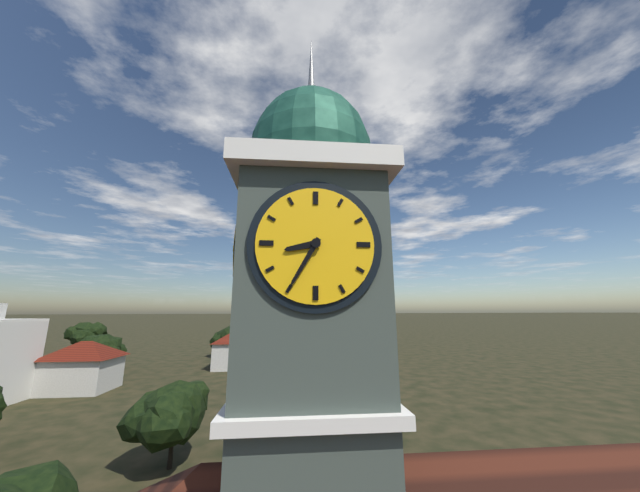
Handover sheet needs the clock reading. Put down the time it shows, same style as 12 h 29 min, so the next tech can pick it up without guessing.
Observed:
8 h 35 min
